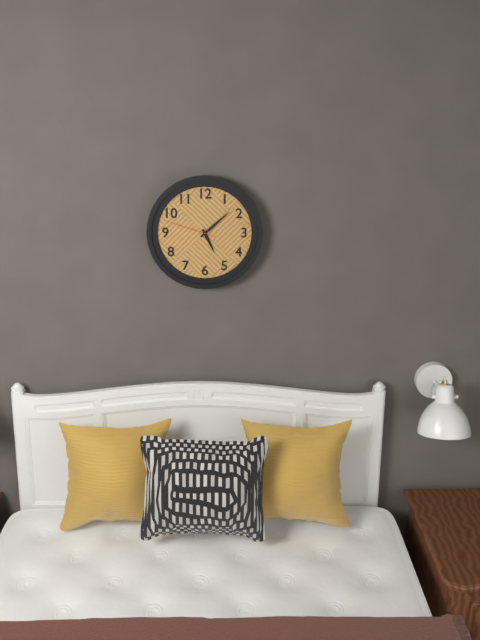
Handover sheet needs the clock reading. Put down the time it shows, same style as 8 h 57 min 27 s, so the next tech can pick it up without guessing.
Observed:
5 h 08 min 48 s
